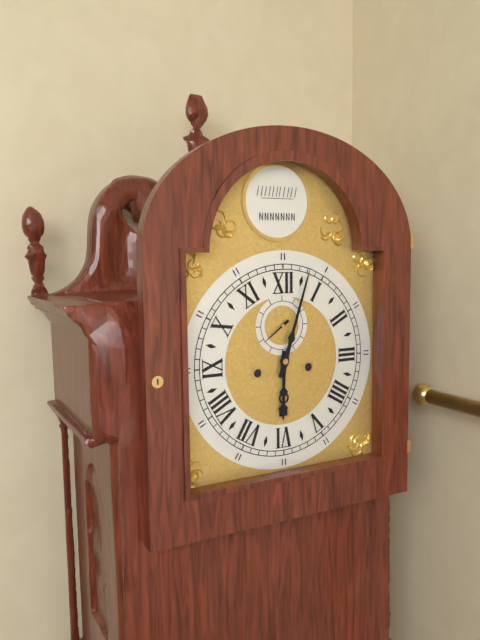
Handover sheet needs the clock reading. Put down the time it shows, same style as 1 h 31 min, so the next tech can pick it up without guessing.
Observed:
6 h 03 min
